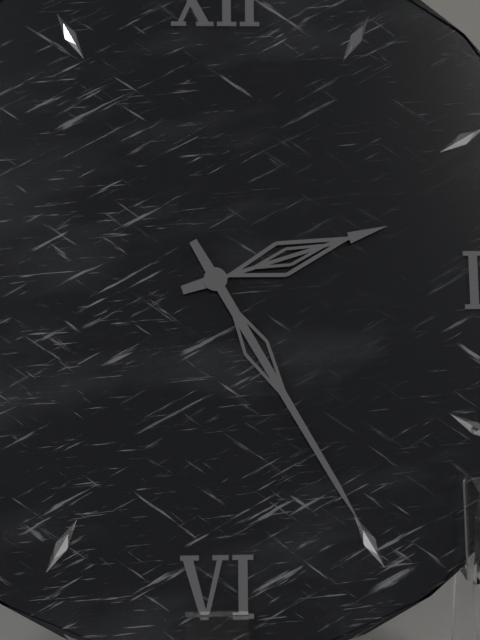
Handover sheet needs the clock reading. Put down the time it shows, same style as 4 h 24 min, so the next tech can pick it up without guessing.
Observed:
2 h 25 min
